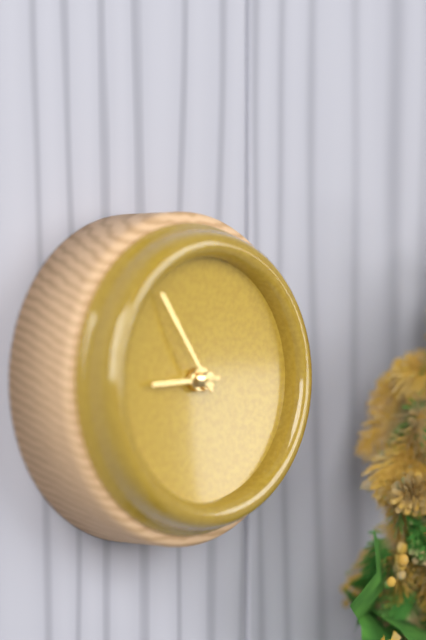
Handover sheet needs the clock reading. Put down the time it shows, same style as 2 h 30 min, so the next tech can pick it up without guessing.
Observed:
8 h 54 min
